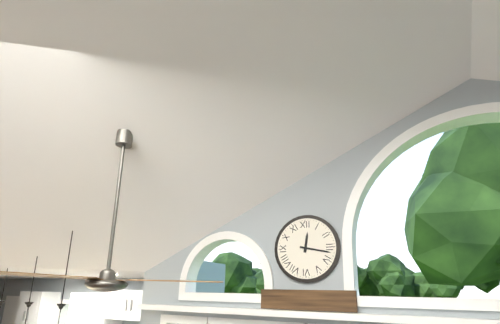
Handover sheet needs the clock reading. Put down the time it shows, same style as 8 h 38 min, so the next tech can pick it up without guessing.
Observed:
12 h 17 min
